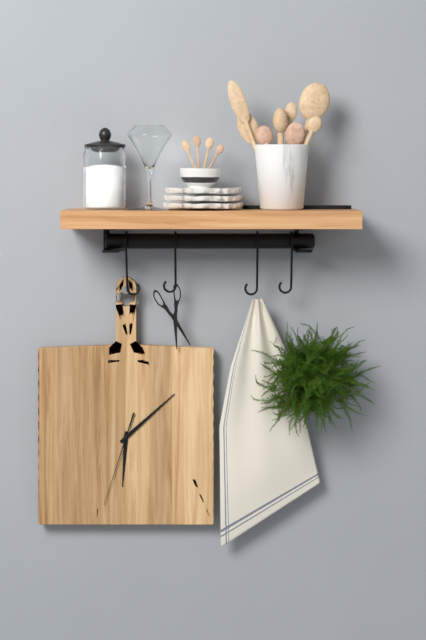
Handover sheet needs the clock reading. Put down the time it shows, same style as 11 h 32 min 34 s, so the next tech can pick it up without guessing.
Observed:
6 h 08 min 33 s
